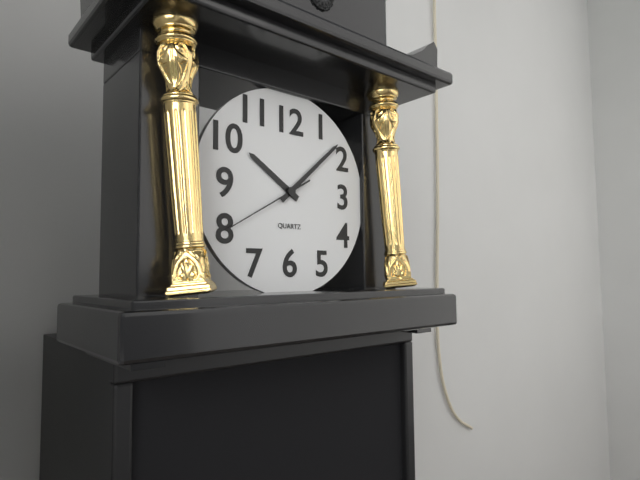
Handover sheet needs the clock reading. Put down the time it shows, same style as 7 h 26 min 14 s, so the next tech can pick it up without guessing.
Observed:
10 h 08 min 40 s
